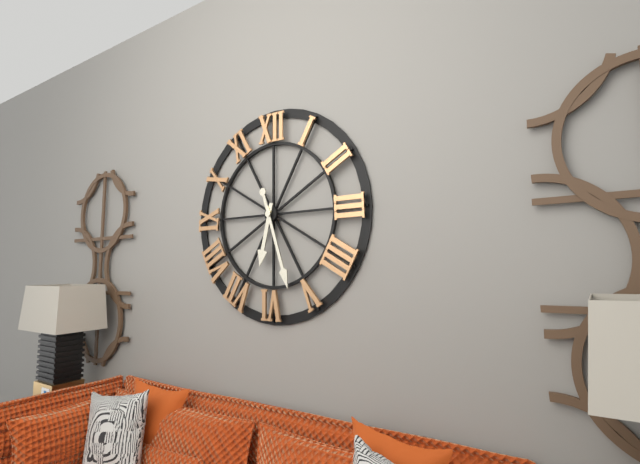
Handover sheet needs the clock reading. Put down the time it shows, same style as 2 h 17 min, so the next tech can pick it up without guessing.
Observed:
6 h 27 min
